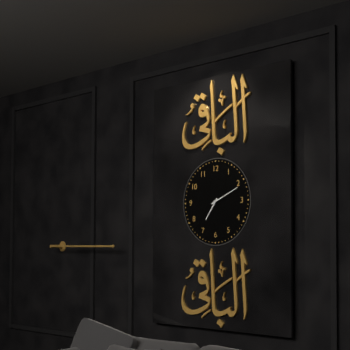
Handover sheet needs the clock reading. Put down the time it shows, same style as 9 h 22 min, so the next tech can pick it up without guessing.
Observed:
7 h 11 min
